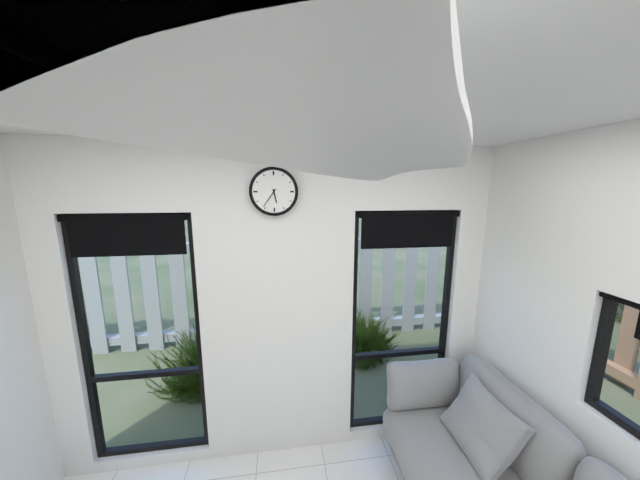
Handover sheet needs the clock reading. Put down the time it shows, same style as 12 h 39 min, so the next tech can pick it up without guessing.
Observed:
5 h 36 min
